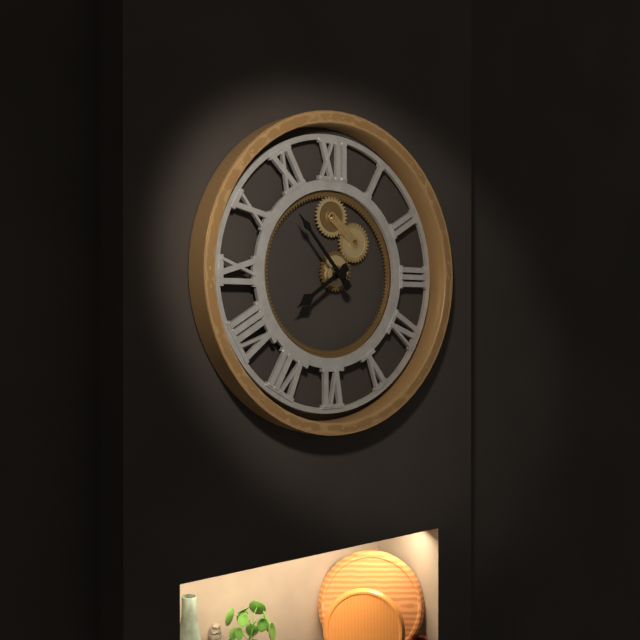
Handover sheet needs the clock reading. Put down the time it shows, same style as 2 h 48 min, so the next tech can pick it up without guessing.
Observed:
7 h 53 min
